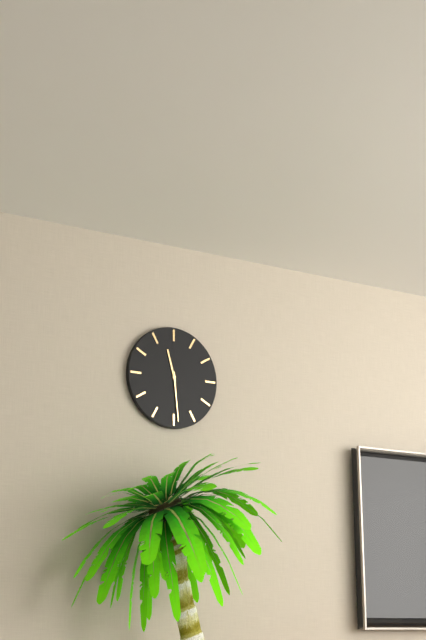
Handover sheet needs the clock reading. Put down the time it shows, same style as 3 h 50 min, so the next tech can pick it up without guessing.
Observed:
11 h 29 min
